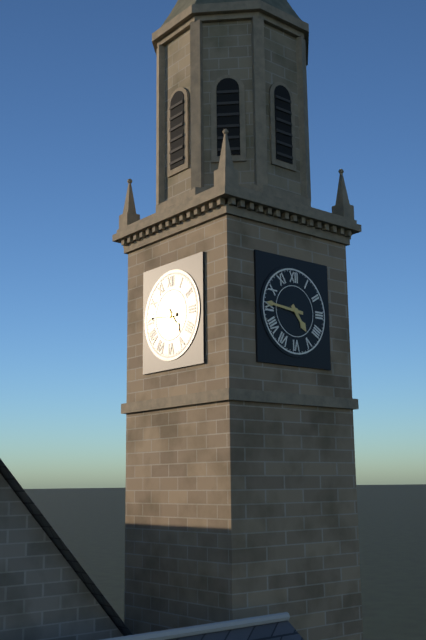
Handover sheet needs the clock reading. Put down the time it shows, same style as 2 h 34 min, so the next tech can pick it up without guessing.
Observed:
4 h 46 min
